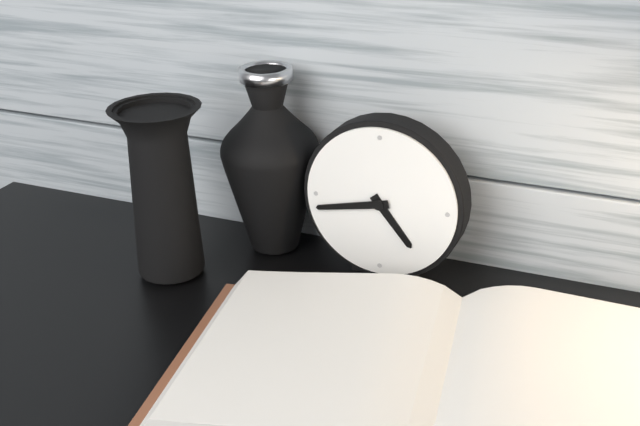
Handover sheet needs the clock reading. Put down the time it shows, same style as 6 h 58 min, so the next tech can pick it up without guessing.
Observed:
4 h 43 min
